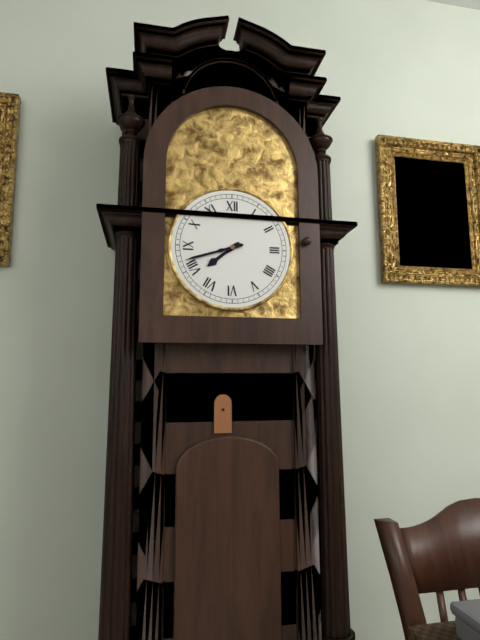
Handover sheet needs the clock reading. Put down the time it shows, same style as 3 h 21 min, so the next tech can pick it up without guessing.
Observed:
7 h 42 min
